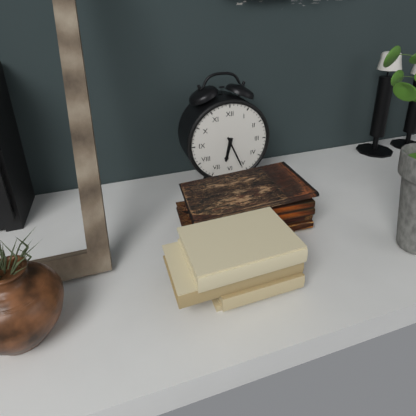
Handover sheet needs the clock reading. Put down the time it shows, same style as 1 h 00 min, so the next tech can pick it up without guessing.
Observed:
6 h 26 min
